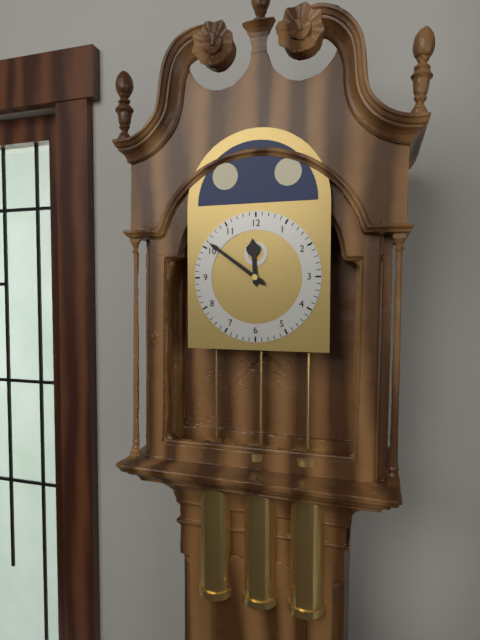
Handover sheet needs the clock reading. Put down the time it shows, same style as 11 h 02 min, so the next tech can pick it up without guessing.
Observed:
11 h 51 min
